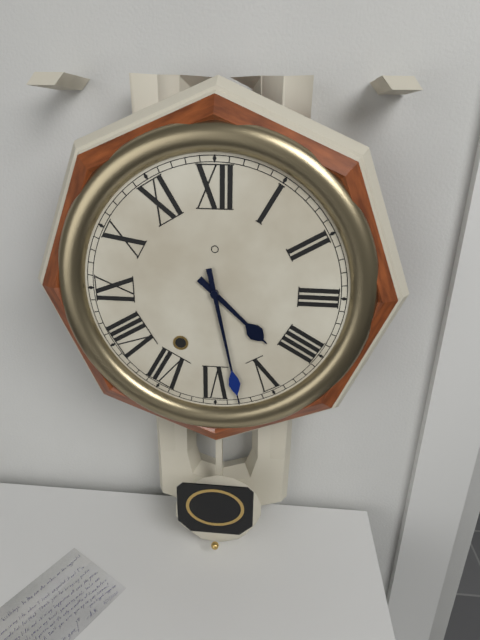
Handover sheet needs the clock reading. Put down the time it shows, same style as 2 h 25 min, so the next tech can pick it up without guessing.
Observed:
4 h 28 min
